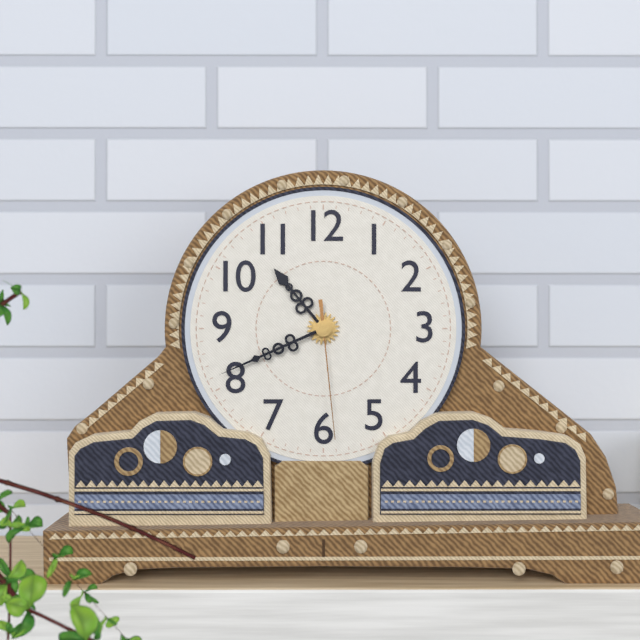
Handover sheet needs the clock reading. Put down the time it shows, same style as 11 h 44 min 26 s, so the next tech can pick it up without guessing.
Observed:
10 h 41 min 29 s
